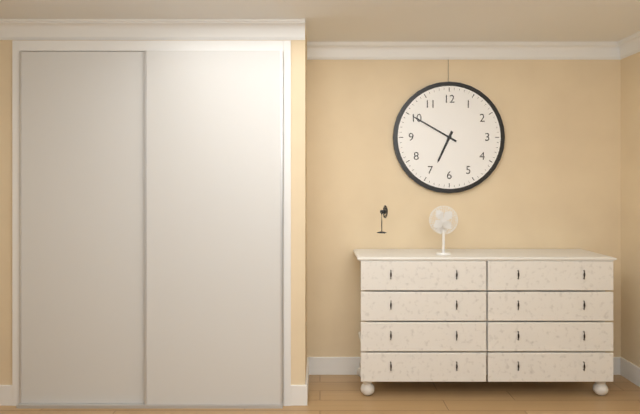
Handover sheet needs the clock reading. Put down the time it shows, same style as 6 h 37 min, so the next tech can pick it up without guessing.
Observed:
6 h 50 min
